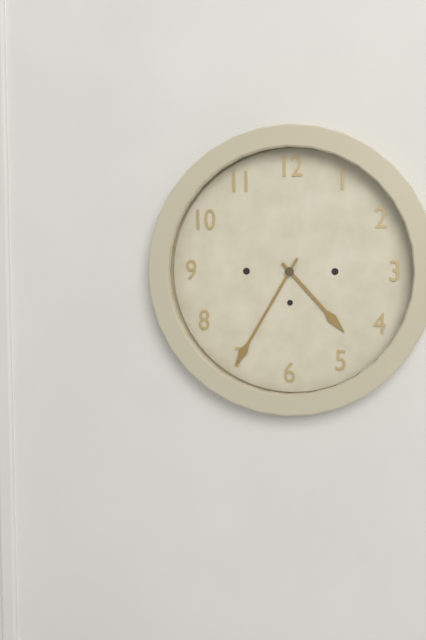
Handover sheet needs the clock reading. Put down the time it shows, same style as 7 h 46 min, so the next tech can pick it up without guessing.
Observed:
4 h 35 min
